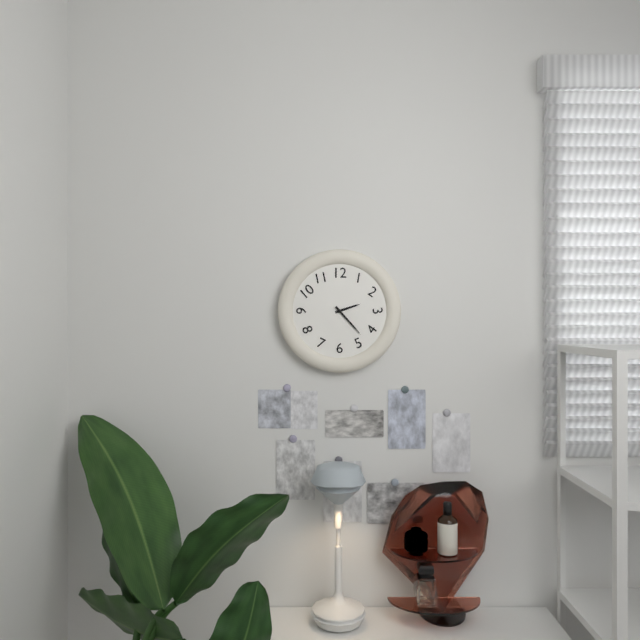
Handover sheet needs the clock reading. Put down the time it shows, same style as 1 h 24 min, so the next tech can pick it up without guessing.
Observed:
2 h 23 min
